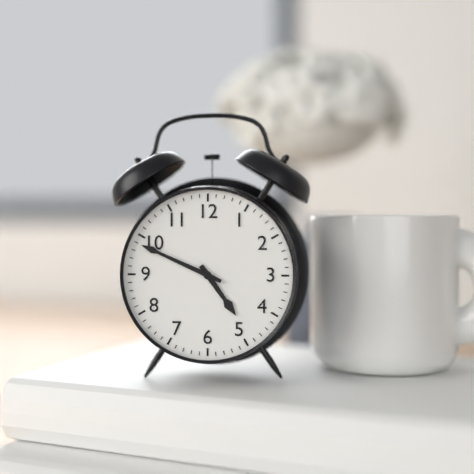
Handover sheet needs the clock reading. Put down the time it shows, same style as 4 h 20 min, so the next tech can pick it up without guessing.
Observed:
4 h 49 min
